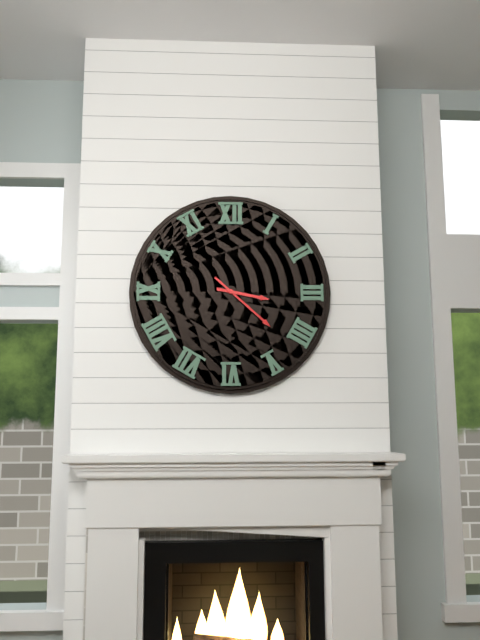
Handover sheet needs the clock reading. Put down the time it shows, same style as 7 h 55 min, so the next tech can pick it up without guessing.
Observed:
3 h 22 min
